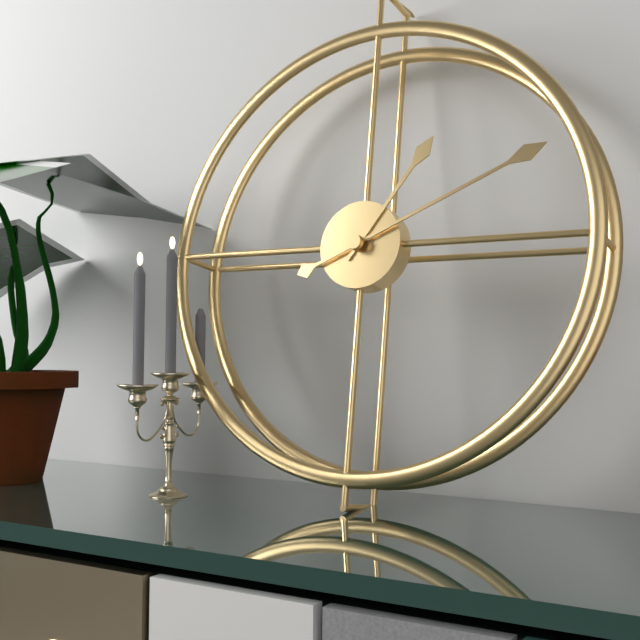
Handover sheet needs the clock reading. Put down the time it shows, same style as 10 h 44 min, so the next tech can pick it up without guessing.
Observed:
1 h 11 min
